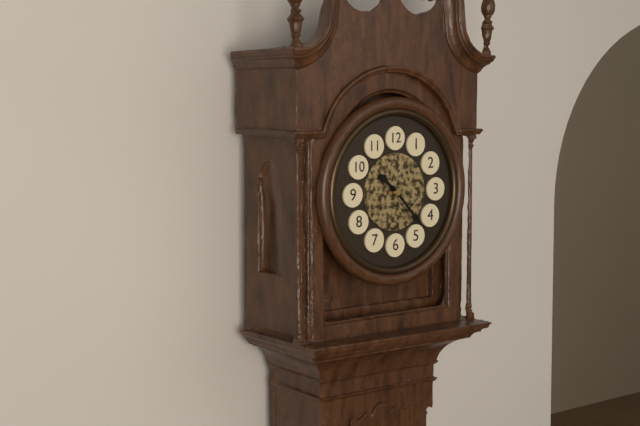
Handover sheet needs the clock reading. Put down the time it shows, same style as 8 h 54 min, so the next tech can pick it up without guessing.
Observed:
10 h 23 min
